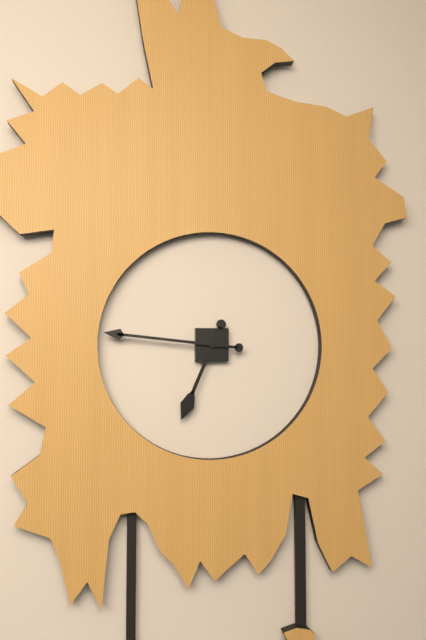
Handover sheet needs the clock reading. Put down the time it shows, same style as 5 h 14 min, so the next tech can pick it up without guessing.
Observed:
6 h 46 min
